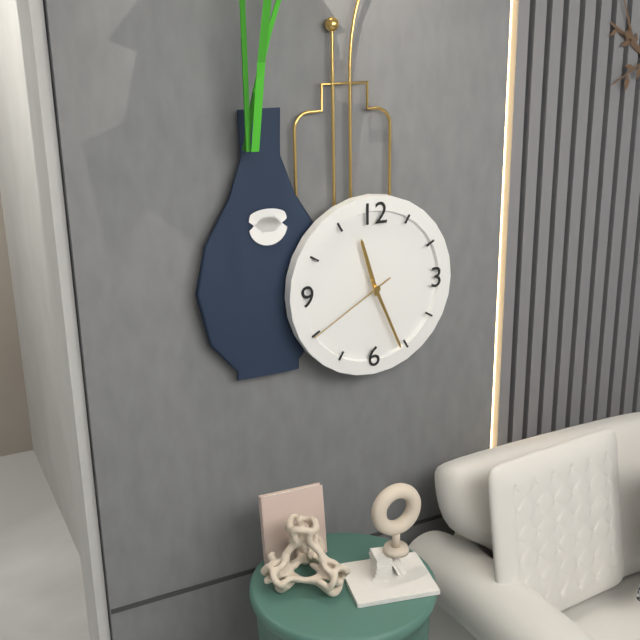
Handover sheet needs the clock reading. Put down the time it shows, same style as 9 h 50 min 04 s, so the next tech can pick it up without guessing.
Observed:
11 h 26 min 40 s
